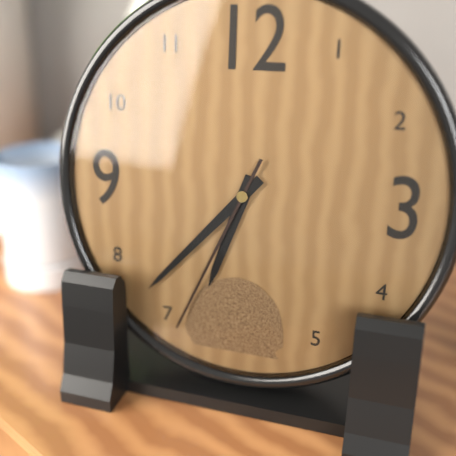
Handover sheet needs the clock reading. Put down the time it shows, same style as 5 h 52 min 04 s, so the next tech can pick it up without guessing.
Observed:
6 h 37 min 34 s
